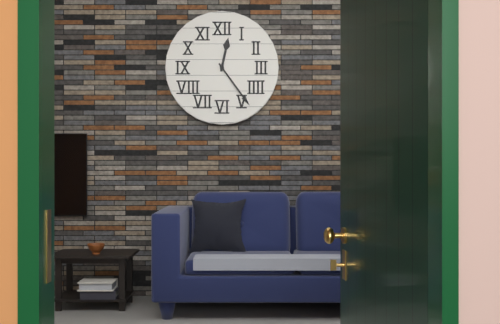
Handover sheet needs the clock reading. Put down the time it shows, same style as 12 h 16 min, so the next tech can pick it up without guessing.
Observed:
12 h 24 min
